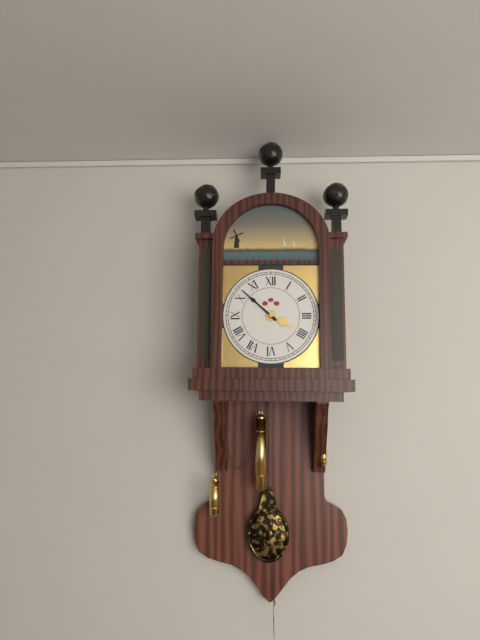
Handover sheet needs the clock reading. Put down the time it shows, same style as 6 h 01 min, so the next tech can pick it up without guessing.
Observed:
3 h 52 min
